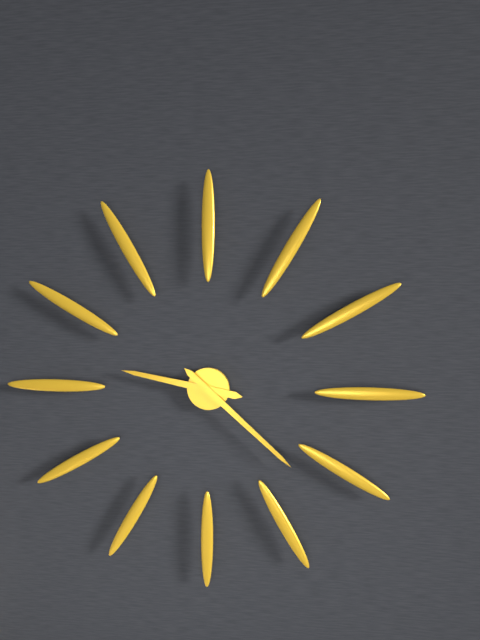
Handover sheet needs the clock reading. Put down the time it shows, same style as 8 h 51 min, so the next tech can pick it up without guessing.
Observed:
9 h 22 min
